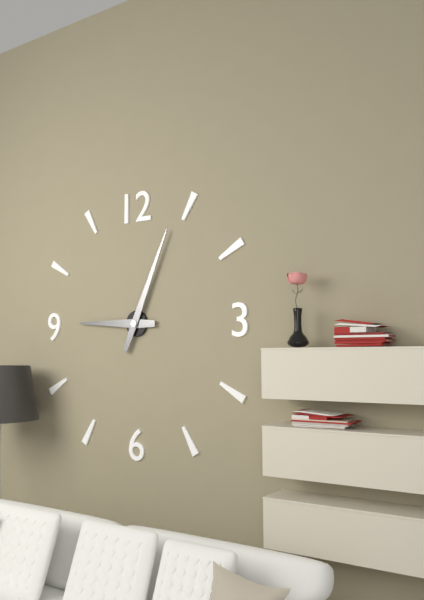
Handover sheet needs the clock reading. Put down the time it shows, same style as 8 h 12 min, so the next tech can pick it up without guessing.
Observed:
9 h 04 min
